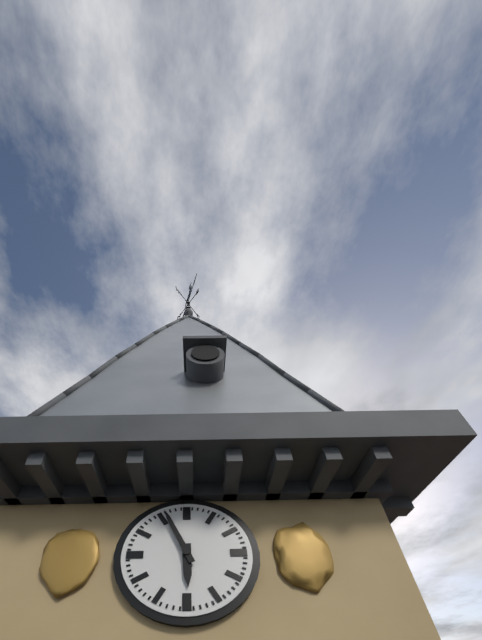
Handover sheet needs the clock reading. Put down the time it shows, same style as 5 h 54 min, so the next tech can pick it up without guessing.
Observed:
5 h 56 min
